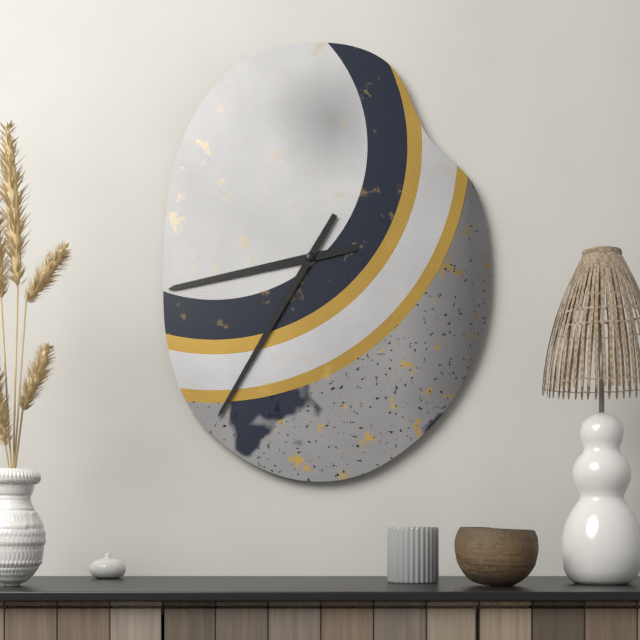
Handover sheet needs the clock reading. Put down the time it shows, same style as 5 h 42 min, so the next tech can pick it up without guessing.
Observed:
8 h 35 min
